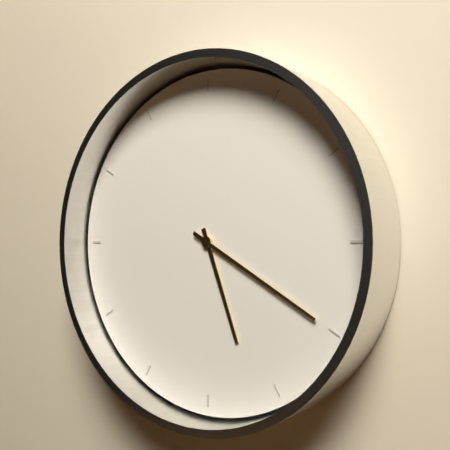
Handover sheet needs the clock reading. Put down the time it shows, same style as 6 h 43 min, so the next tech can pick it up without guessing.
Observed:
5 h 20 min
